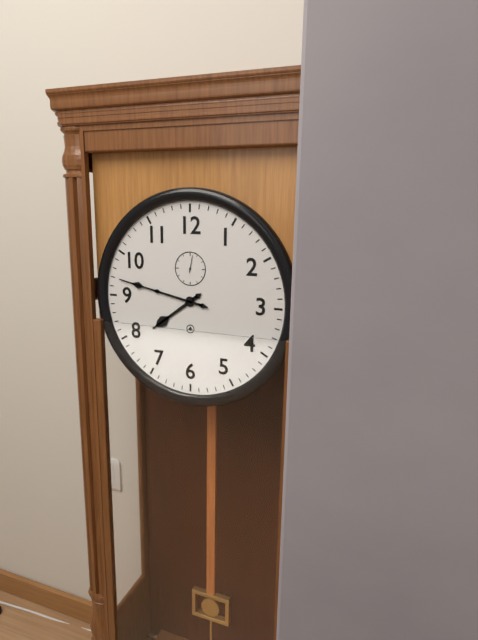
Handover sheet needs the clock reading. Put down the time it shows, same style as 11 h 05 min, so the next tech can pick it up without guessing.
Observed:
7 h 47 min
